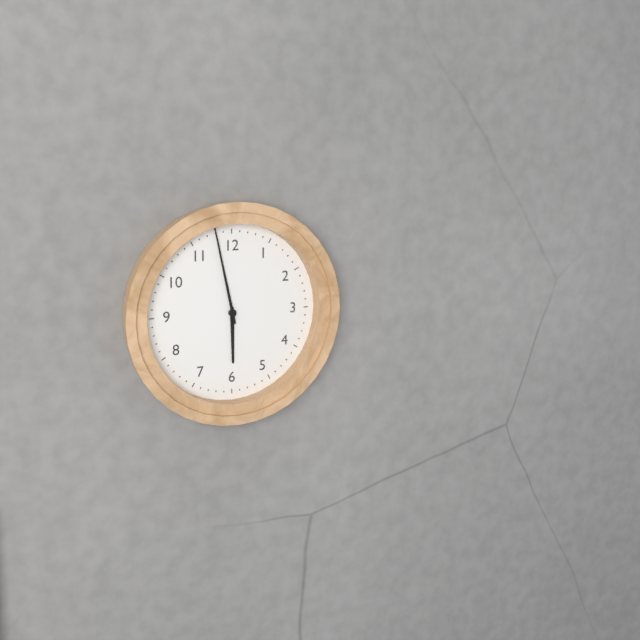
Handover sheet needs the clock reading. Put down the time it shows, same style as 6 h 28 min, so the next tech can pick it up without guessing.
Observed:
5 h 58 min
